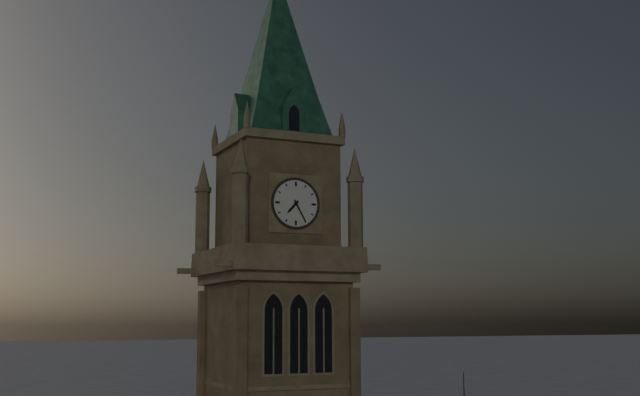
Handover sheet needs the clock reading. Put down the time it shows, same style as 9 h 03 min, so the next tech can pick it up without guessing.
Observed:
7 h 25 min
